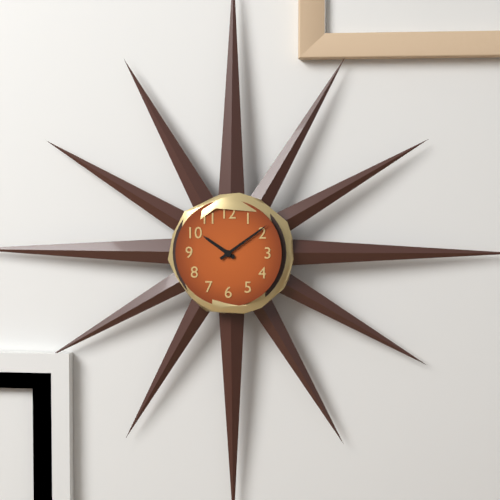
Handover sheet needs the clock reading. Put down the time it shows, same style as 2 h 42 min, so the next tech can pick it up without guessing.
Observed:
10 h 09 min
